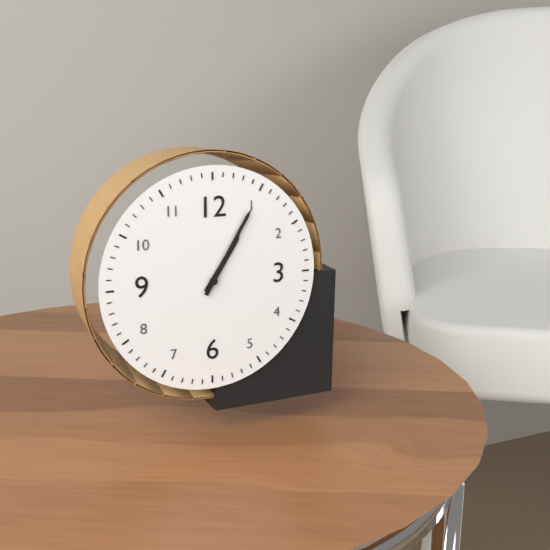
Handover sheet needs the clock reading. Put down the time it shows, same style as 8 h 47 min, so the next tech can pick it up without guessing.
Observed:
1 h 05 min
